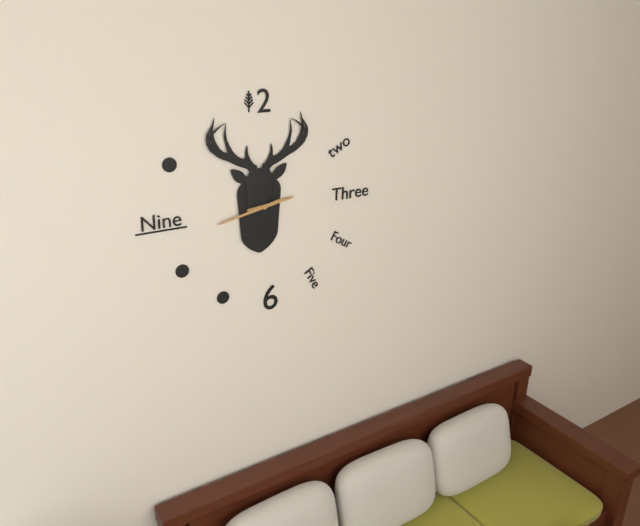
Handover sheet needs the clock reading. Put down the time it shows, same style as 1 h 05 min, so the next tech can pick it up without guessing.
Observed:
2 h 43 min
